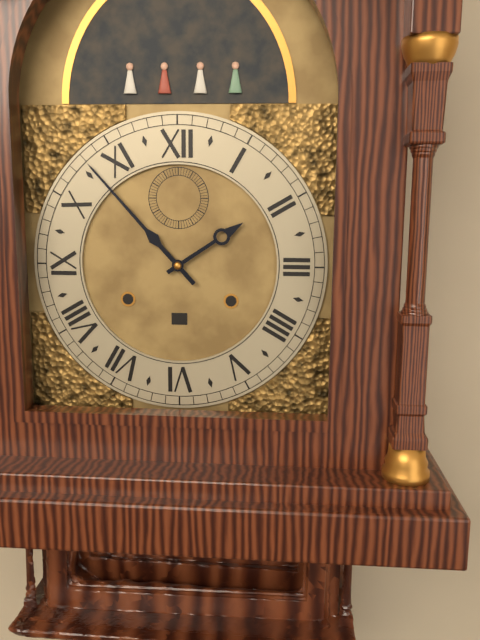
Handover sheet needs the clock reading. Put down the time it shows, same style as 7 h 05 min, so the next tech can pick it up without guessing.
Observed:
1 h 53 min
